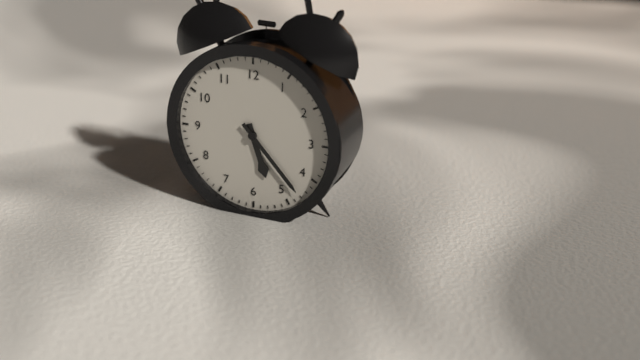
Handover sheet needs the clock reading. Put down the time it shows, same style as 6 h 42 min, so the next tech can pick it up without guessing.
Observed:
5 h 23 min
